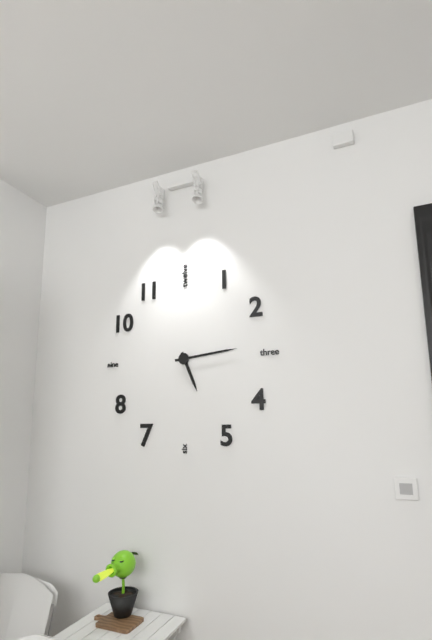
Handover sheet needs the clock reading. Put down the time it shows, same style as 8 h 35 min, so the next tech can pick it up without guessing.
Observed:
5 h 14 min
